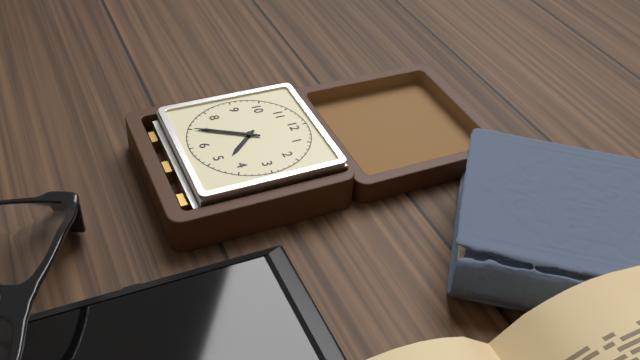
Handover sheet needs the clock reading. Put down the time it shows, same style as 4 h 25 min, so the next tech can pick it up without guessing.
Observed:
4 h 35 min
